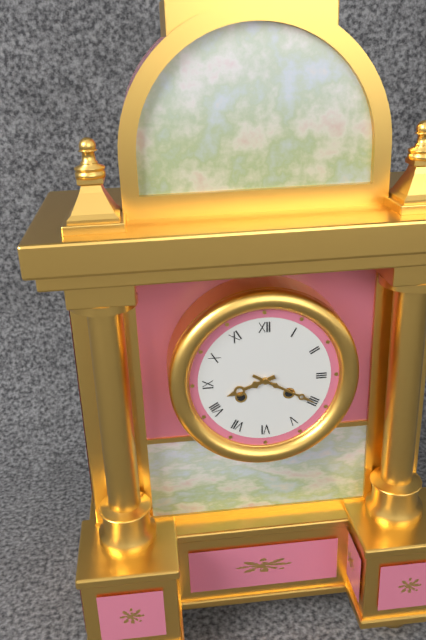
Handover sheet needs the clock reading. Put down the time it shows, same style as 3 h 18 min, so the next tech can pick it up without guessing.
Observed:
8 h 20 min
